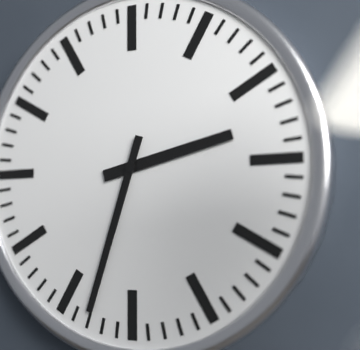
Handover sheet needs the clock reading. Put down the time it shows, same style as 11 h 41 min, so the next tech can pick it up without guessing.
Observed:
2 h 33 min
